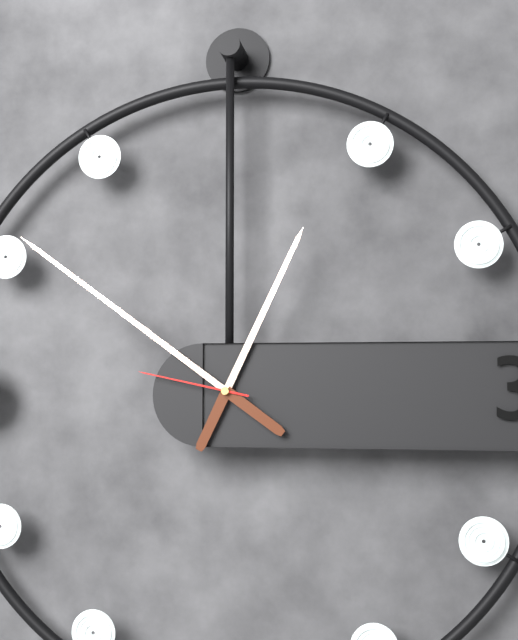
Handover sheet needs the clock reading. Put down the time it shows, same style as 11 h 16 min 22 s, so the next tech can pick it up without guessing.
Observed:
12 h 51 min 47 s
